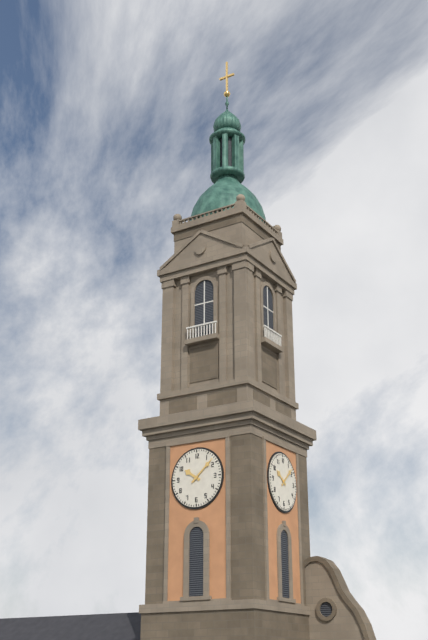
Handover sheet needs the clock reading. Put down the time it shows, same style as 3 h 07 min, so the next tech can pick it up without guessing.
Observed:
10 h 08 min
